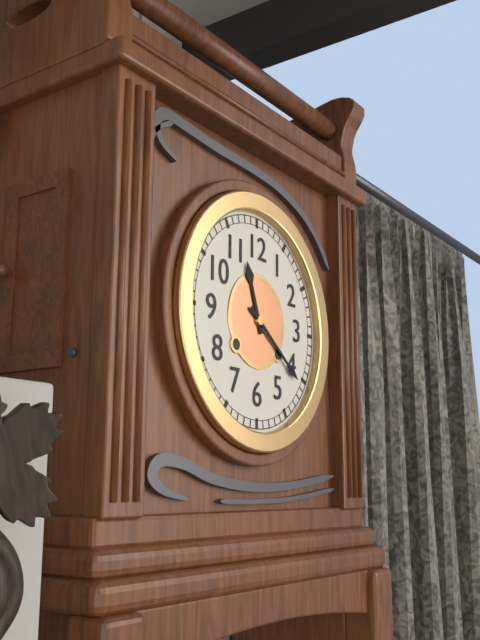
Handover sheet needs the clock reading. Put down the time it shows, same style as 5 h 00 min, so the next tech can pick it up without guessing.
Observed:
11 h 21 min
